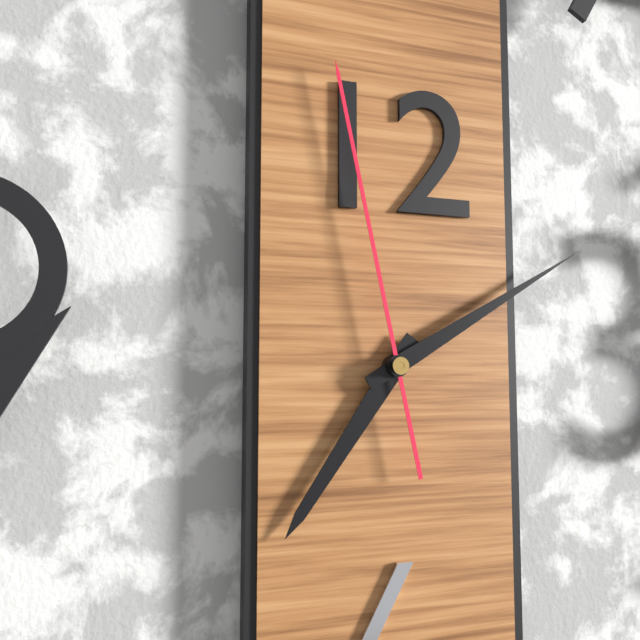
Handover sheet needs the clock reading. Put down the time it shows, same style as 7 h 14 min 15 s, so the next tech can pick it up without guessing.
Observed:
7 h 10 min 58 s
